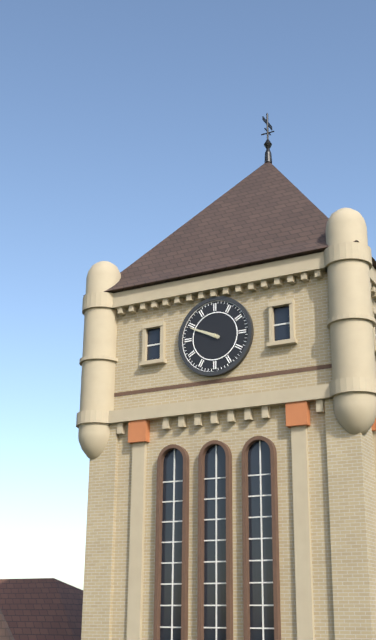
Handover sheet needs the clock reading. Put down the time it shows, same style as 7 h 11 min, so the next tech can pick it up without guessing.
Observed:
9 h 49 min
